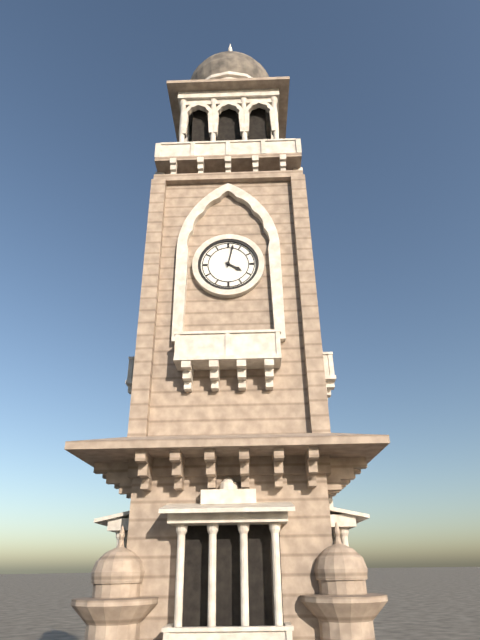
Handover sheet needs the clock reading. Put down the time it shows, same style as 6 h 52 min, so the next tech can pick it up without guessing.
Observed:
4 h 02 min
